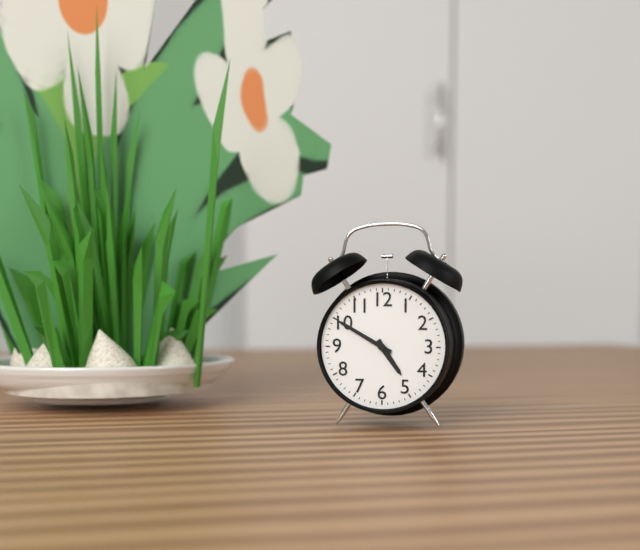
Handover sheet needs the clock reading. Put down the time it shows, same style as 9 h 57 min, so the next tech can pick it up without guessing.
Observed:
4 h 50 min
